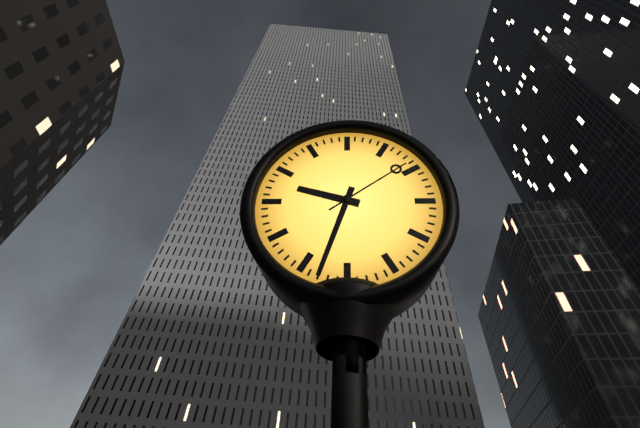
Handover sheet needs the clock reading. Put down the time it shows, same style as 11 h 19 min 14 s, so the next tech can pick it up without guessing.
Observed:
9 h 33 min 09 s
